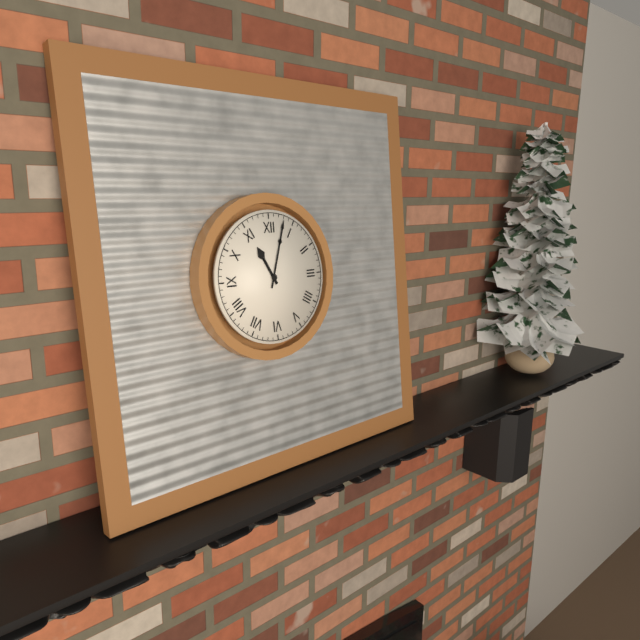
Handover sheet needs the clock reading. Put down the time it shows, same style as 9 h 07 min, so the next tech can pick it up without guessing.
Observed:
11 h 03 min
